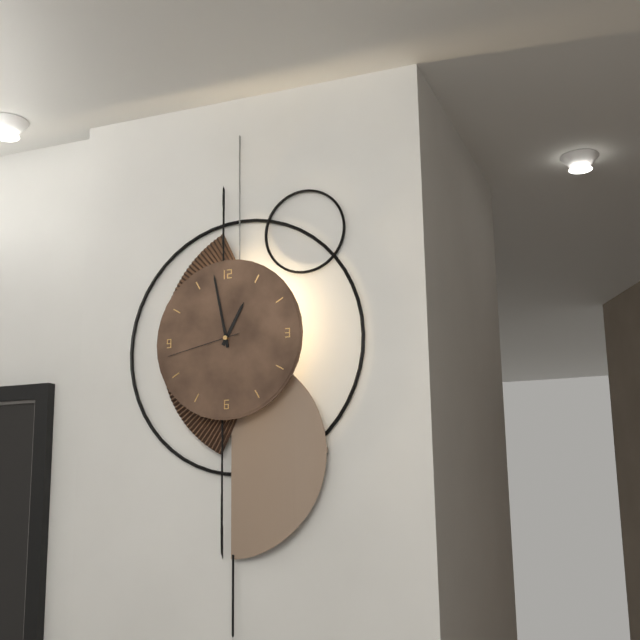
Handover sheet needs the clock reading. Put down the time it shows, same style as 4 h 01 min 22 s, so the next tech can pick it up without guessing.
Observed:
12 h 58 min 43 s
